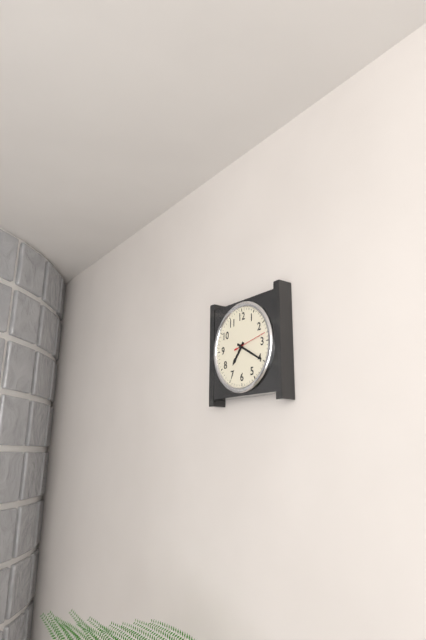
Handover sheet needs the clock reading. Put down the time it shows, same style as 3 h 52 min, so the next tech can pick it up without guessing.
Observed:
7 h 20 min
